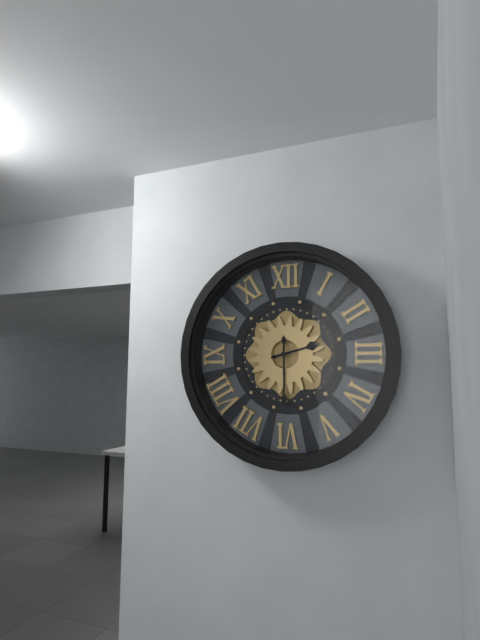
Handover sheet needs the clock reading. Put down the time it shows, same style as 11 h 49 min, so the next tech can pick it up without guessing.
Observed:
2 h 30 min
